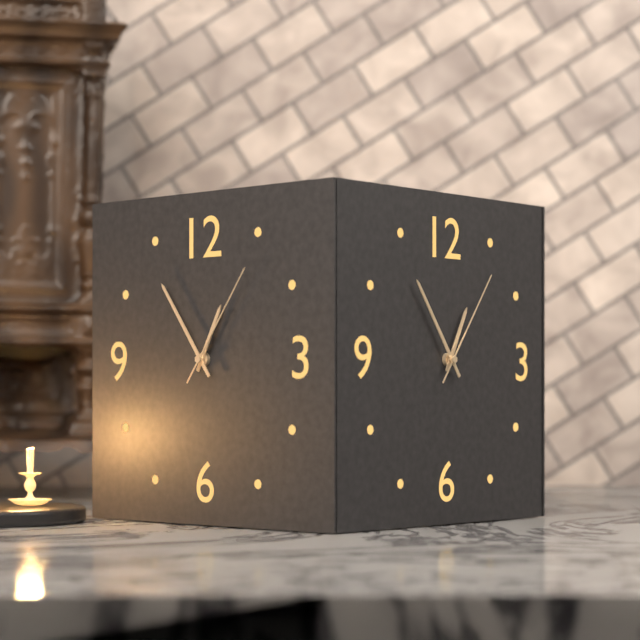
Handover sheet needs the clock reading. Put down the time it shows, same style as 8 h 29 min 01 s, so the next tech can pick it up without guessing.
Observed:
12 h 54 min 06 s
